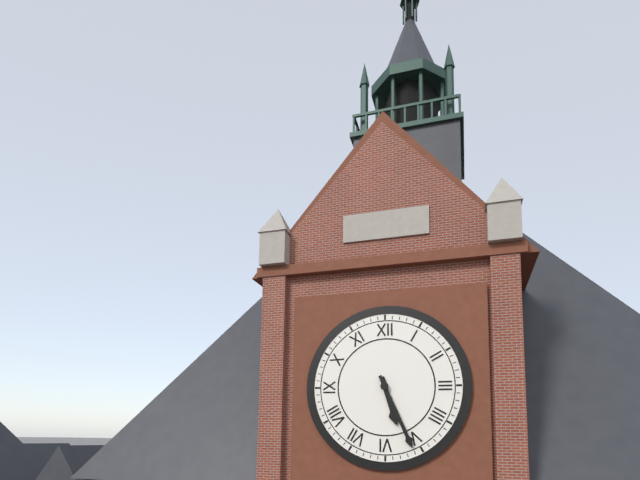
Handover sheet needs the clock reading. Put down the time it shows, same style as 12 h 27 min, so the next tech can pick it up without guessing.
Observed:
5 h 26 min
